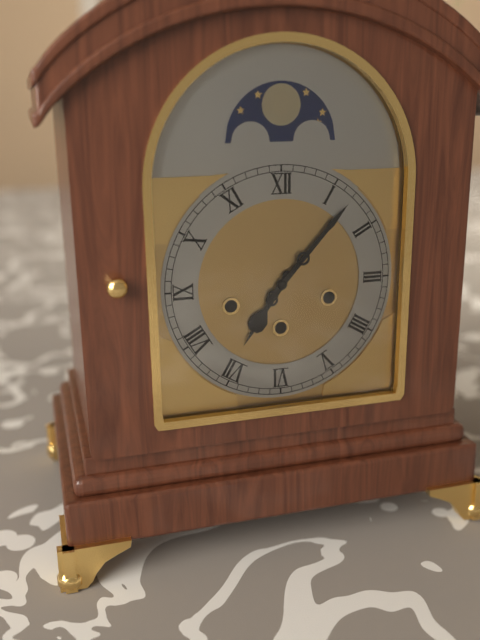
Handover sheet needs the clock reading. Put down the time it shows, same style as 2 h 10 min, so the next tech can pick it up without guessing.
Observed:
7 h 07 min
